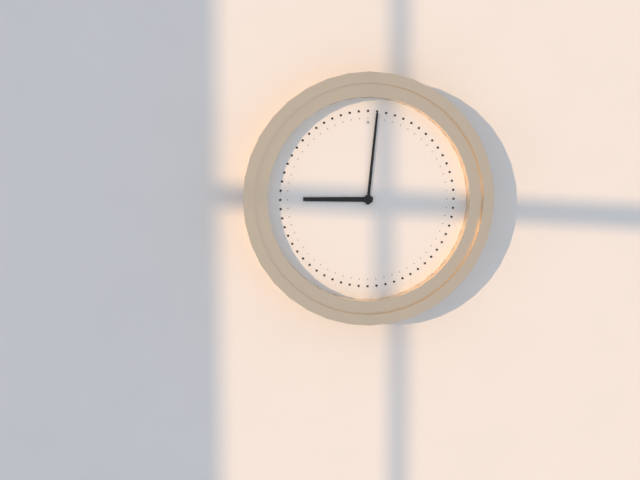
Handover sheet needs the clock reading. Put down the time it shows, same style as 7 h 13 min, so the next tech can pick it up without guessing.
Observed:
9 h 01 min
